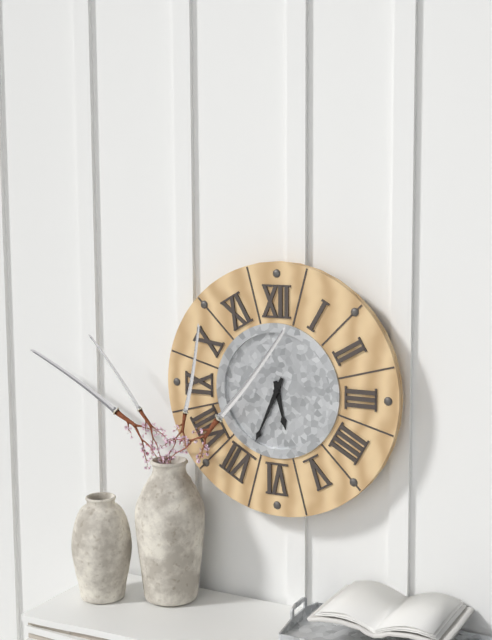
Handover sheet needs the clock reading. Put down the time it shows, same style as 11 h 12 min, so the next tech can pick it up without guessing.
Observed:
5 h 34 min
